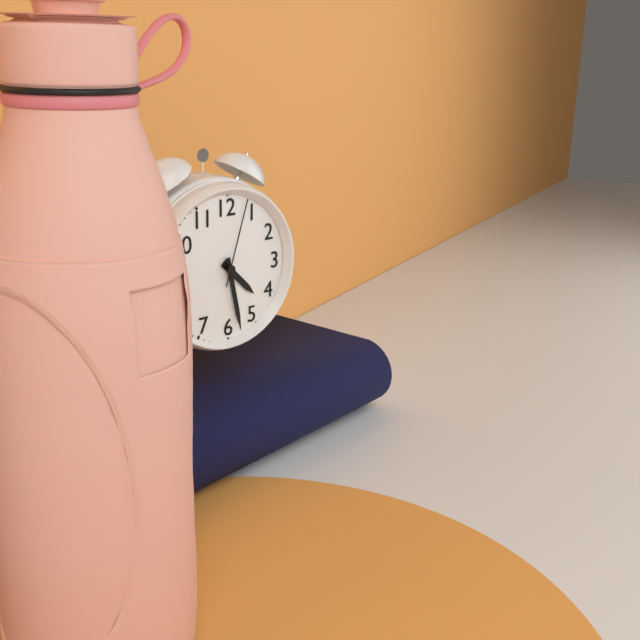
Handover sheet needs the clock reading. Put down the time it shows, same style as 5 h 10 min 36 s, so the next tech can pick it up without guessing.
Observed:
4 h 28 min 03 s
